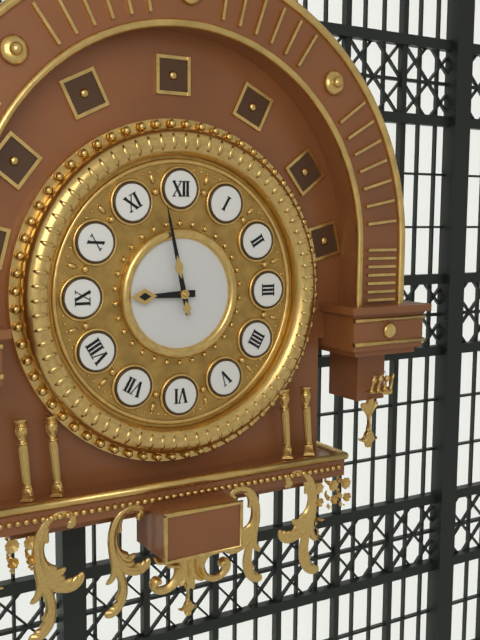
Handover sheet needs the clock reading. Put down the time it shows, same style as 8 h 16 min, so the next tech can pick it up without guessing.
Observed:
8 h 58 min
